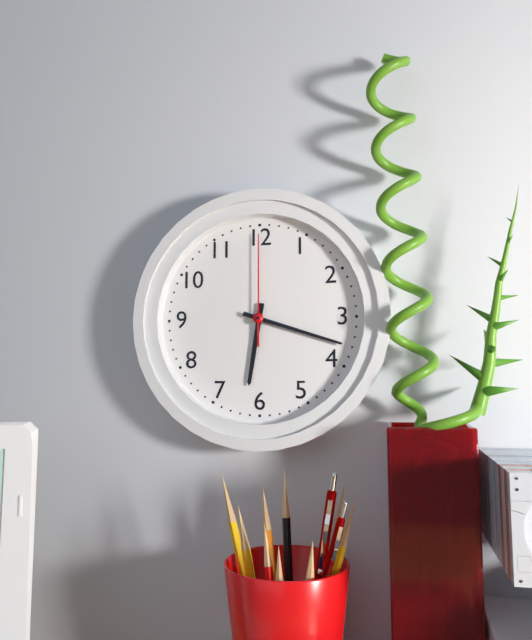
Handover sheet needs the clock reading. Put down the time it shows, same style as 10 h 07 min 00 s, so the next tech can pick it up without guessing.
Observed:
6 h 18 min 00 s
